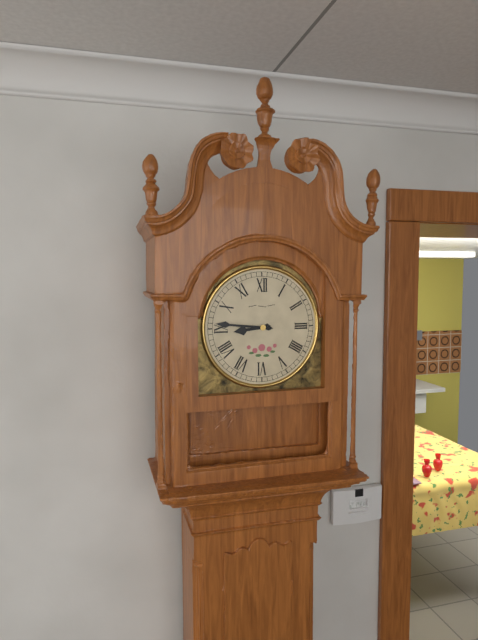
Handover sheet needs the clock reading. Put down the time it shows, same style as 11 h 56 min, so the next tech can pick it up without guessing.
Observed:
8 h 46 min
